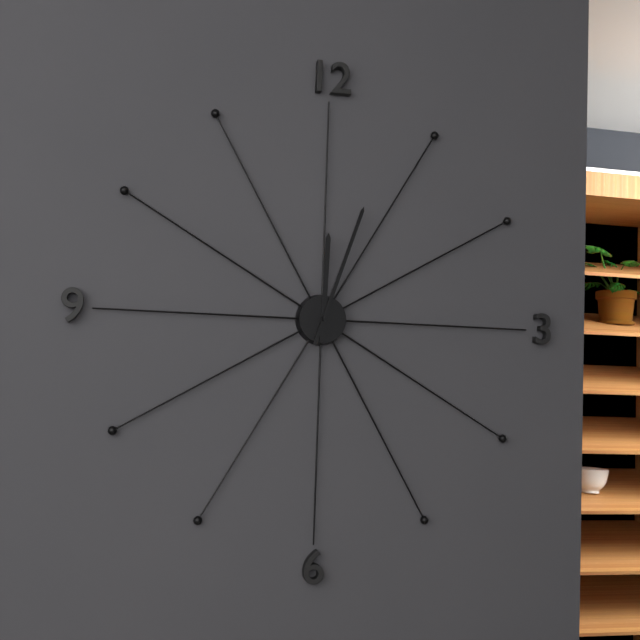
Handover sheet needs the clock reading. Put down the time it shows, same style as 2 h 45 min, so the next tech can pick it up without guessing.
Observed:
12 h 03 min
